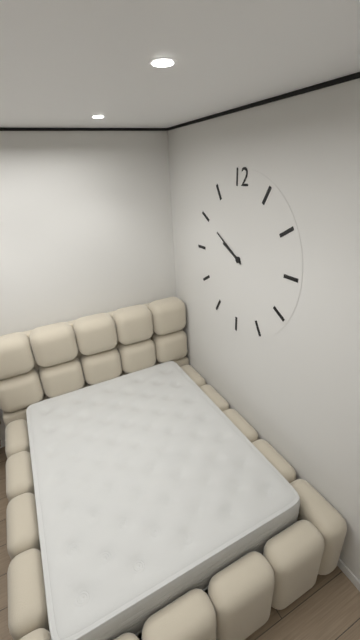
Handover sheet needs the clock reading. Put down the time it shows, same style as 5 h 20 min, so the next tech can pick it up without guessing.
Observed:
9 h 50 min
